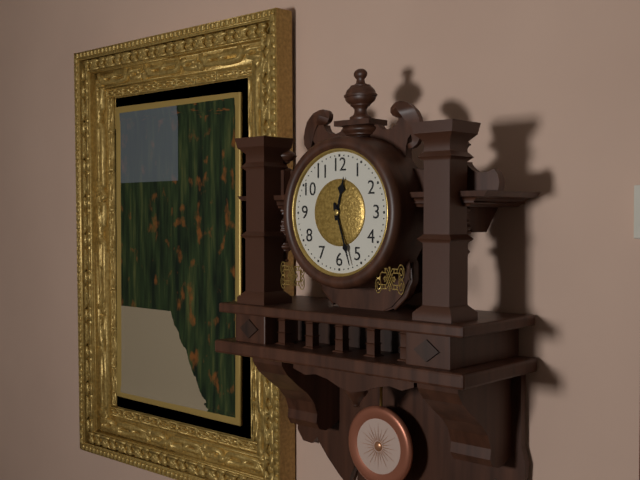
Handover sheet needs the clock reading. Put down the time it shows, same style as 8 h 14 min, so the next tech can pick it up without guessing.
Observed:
12 h 27 min
